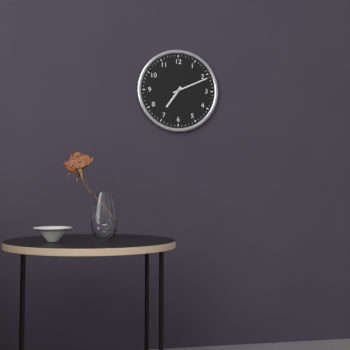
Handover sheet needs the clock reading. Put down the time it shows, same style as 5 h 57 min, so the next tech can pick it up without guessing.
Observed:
7 h 11 min
